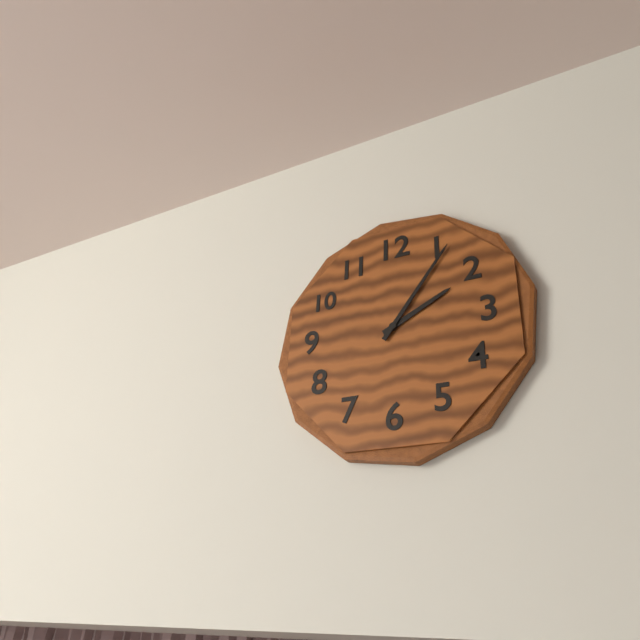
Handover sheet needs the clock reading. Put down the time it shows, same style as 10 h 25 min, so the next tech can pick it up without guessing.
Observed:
2 h 06 min
